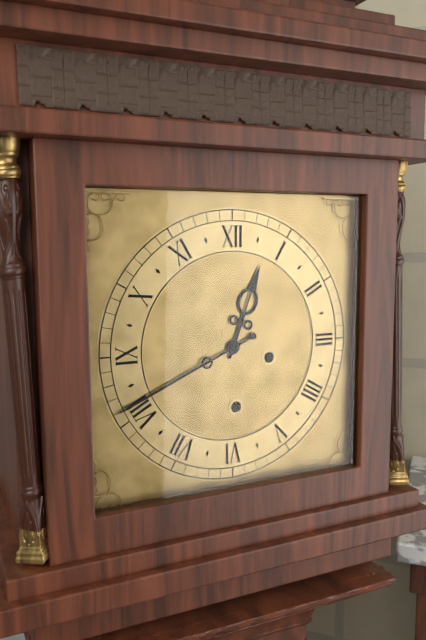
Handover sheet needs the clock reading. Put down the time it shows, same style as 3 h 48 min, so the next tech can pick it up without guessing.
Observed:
12 h 41 min
